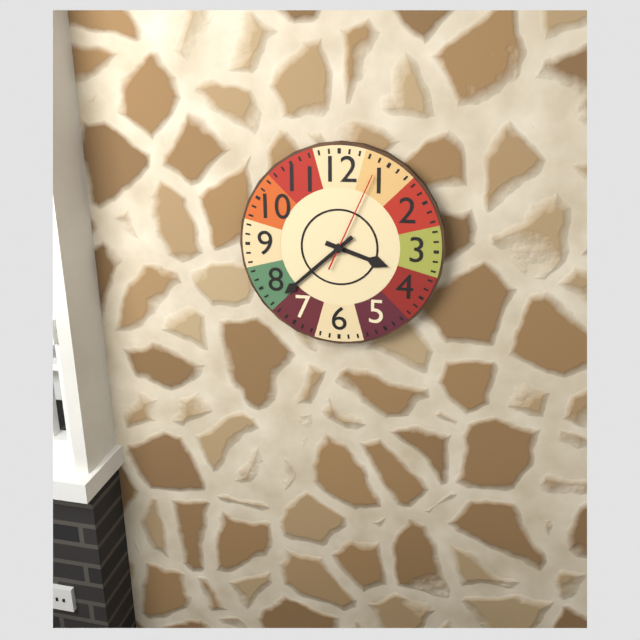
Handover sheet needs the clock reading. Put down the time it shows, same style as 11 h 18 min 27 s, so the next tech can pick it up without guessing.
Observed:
3 h 38 min 04 s
